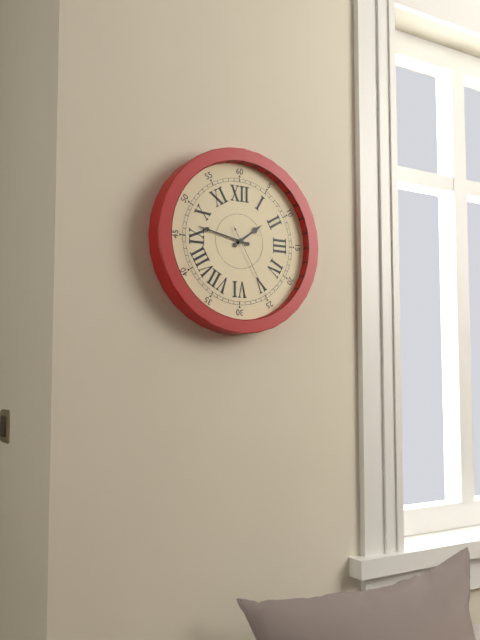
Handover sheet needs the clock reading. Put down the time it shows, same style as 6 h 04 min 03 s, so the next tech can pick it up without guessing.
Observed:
1 h 47 min 25 s
